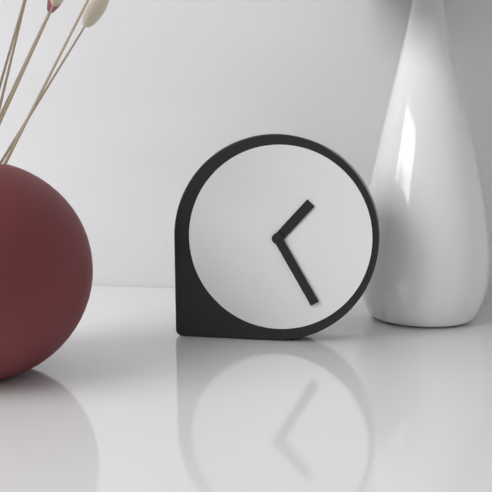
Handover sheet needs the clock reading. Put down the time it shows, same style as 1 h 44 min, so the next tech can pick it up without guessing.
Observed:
1 h 25 min
